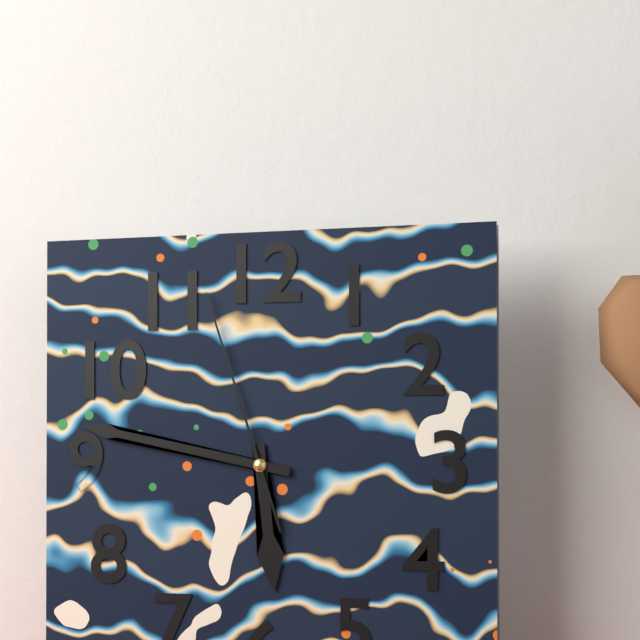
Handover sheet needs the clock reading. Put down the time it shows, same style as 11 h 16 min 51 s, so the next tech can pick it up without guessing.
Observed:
5 h 47 min 57 s
